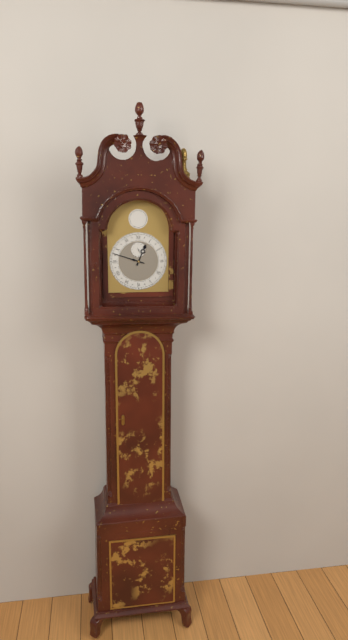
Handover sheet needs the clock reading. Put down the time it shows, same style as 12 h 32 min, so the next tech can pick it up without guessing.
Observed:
12 h 48 min
